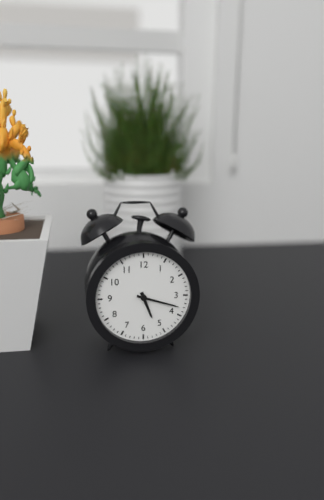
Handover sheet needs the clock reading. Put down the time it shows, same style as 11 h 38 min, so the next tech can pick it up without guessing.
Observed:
5 h 18 min
